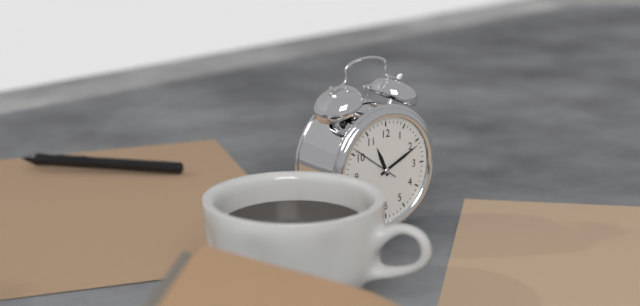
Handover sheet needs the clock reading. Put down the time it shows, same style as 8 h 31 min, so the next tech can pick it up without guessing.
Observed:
11 h 11 min
